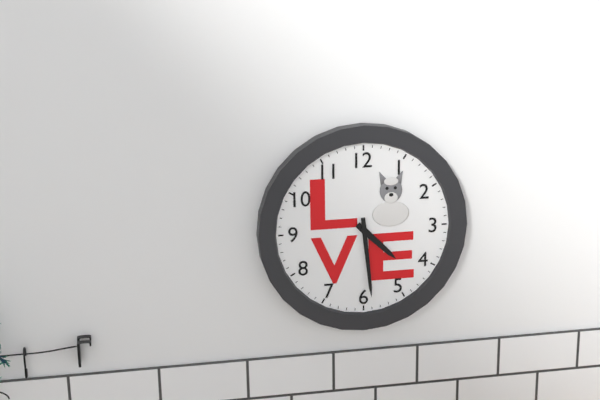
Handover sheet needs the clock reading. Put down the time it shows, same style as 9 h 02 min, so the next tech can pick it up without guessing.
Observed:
4 h 29 min
